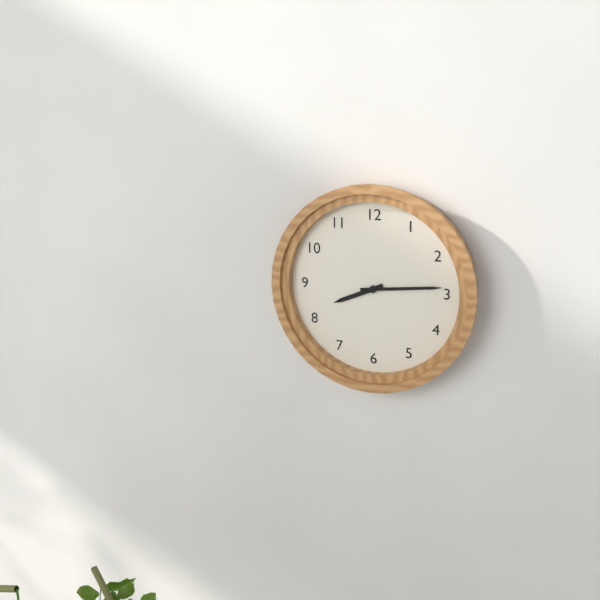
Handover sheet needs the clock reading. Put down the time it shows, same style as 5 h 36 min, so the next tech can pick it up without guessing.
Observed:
8 h 14 min
